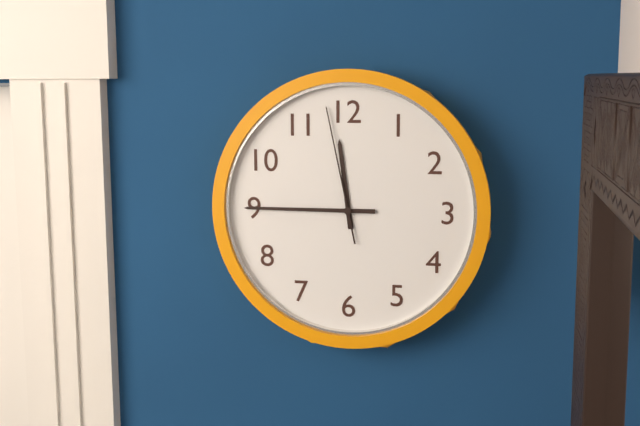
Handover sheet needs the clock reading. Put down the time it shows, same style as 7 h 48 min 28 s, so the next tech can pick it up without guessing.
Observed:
11 h 45 min 58 s
